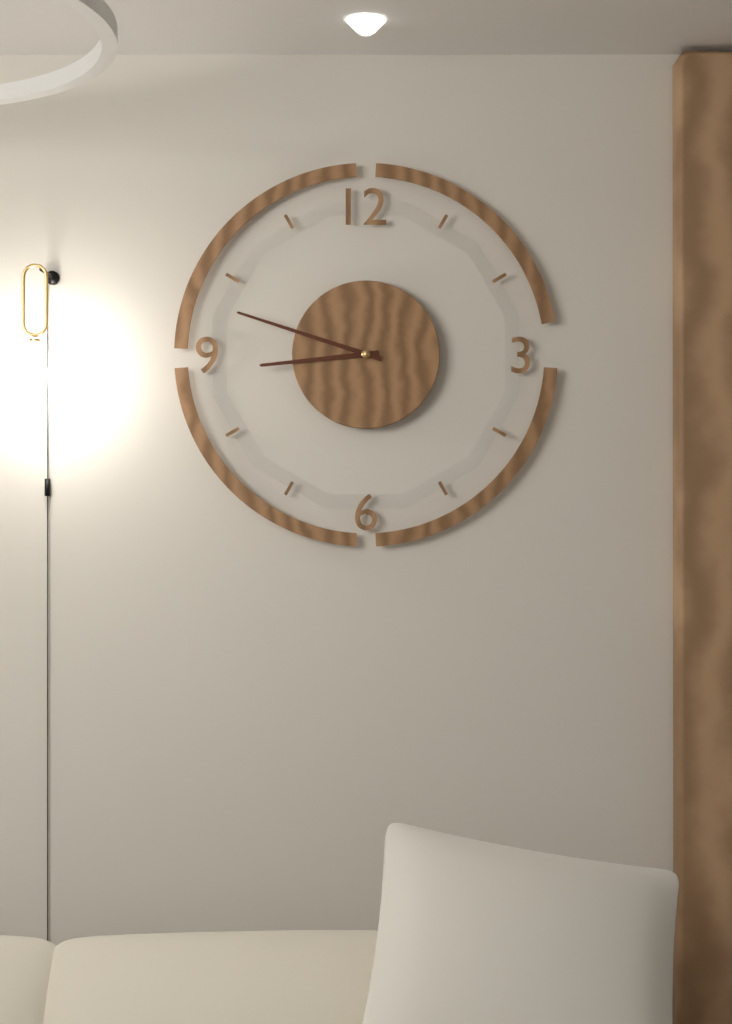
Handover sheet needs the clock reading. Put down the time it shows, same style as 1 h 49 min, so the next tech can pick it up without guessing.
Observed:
8 h 48 min
